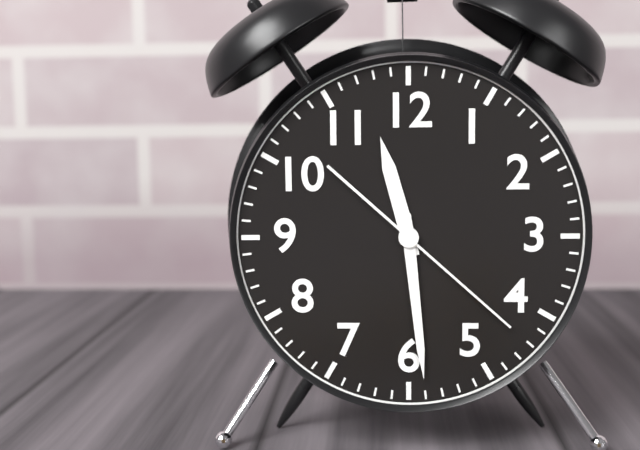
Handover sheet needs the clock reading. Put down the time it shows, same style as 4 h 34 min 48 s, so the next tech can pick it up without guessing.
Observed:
11 h 29 min 22 s
